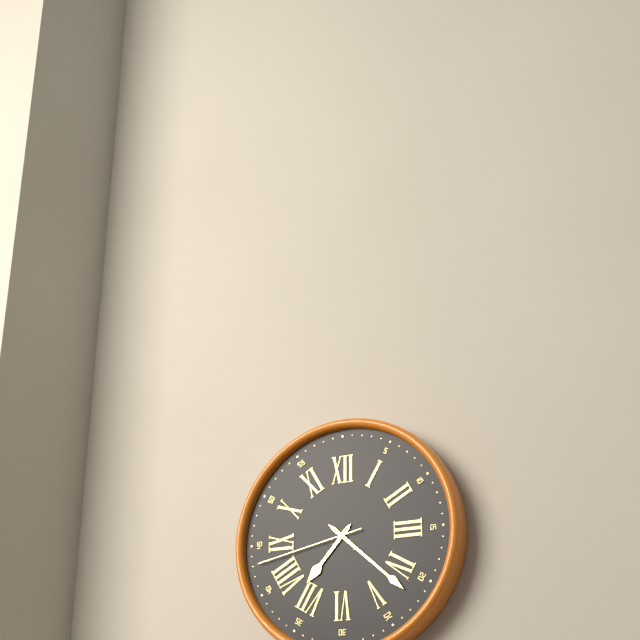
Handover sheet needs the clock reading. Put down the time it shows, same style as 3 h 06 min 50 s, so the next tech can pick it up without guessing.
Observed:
7 h 22 min 43 s
